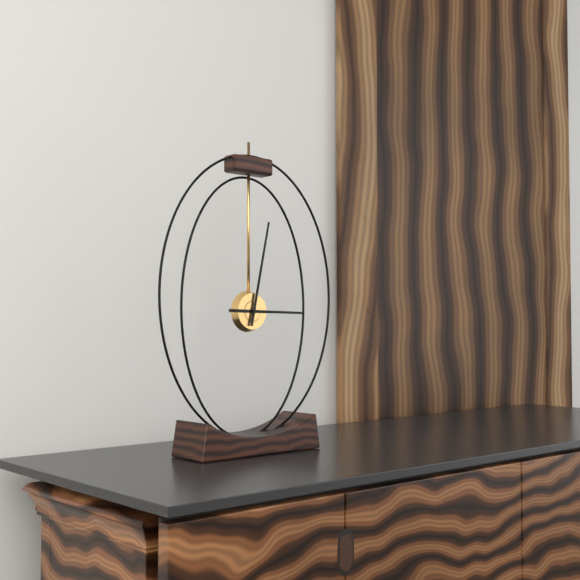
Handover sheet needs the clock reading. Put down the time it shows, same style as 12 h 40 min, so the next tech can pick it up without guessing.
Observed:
3 h 02 min
